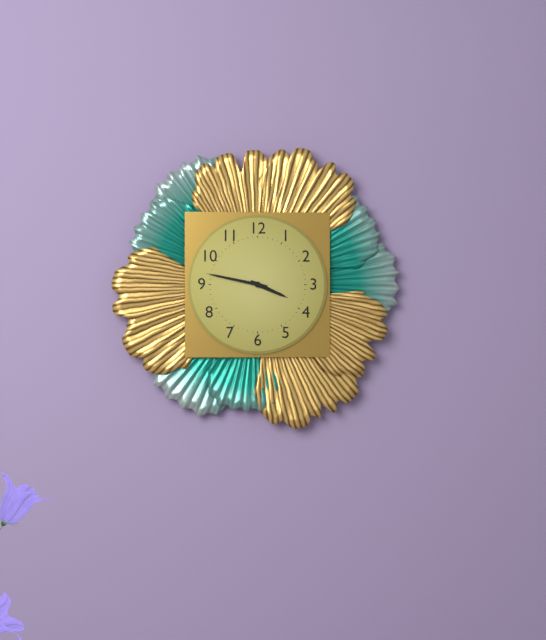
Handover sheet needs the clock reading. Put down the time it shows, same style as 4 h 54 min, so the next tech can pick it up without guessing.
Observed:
3 h 47 min
